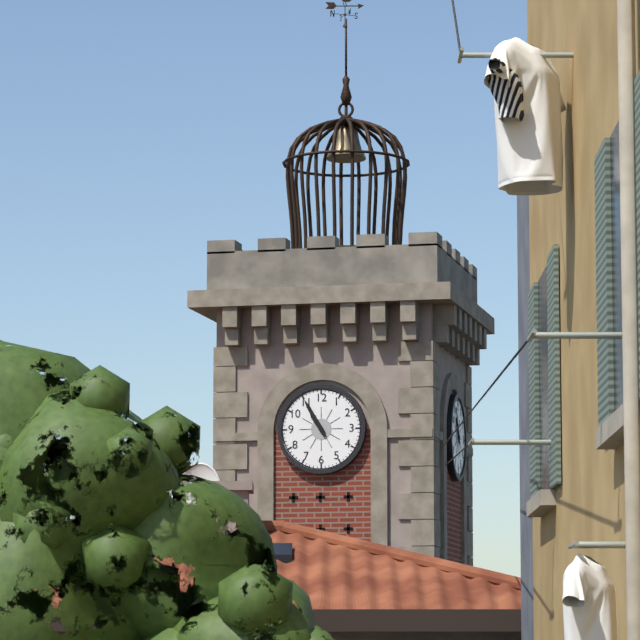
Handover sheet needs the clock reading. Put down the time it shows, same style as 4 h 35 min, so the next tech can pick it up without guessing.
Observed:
10 h 55 min
